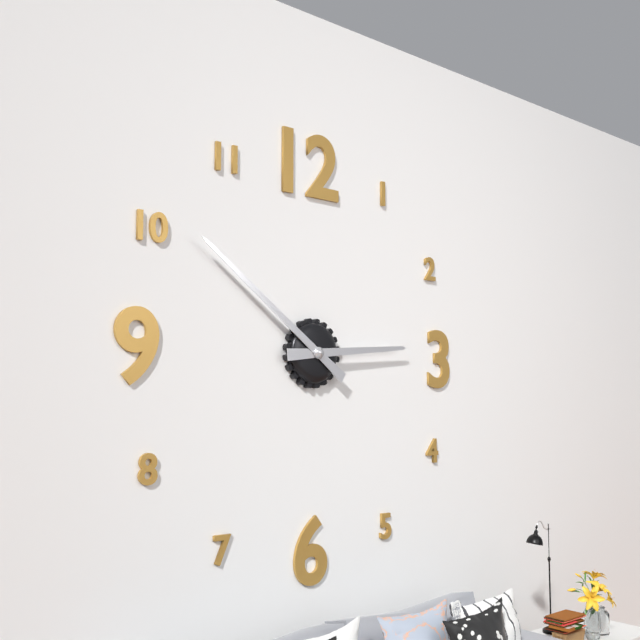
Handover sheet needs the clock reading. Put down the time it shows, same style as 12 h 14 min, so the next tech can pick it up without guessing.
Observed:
2 h 51 min
